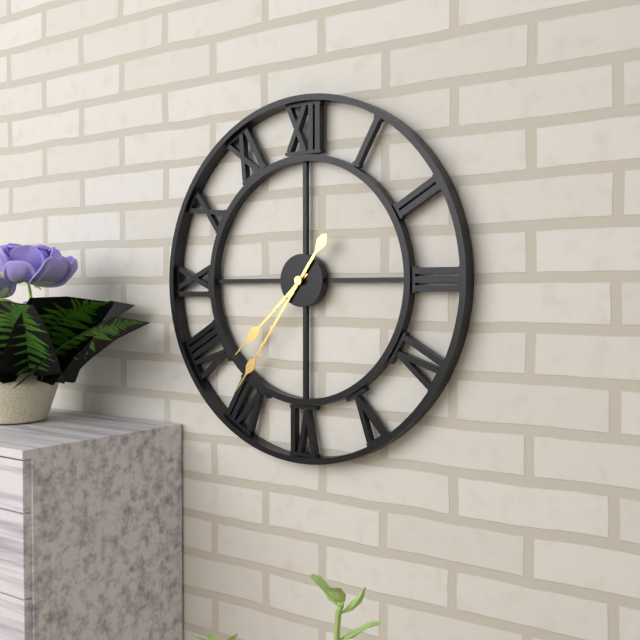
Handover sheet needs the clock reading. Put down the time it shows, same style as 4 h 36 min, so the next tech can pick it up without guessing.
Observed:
7 h 36 min
